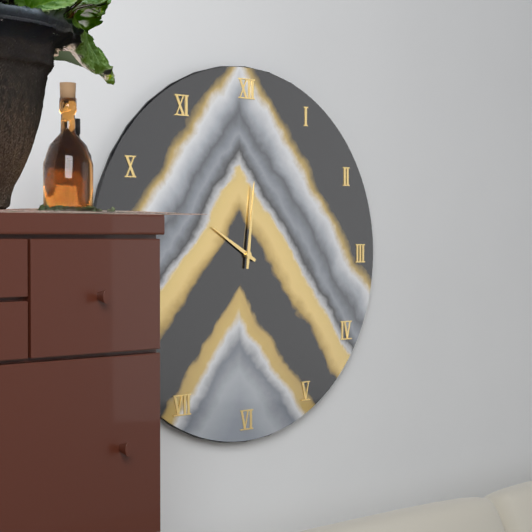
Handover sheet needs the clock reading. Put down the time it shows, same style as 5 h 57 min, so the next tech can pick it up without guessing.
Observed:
10 h 01 min
